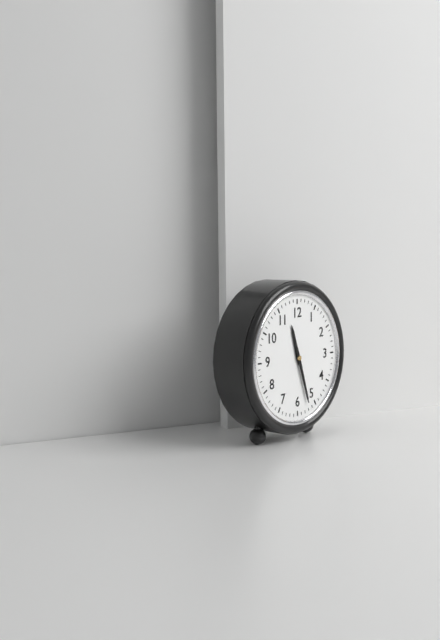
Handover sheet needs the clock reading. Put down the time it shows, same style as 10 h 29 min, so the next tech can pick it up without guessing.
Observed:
11 h 27 min
